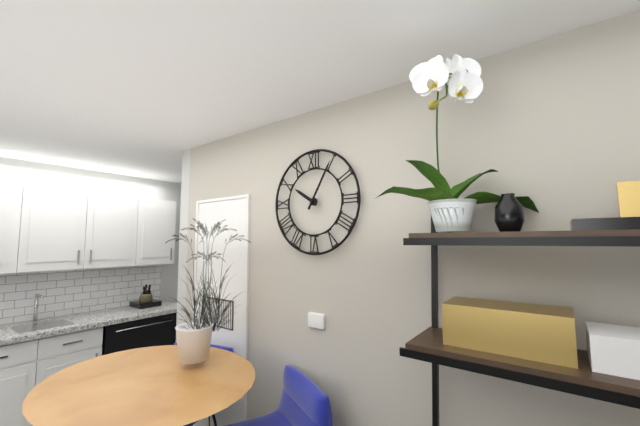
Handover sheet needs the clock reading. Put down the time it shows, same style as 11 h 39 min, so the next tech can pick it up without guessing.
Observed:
10 h 05 min
